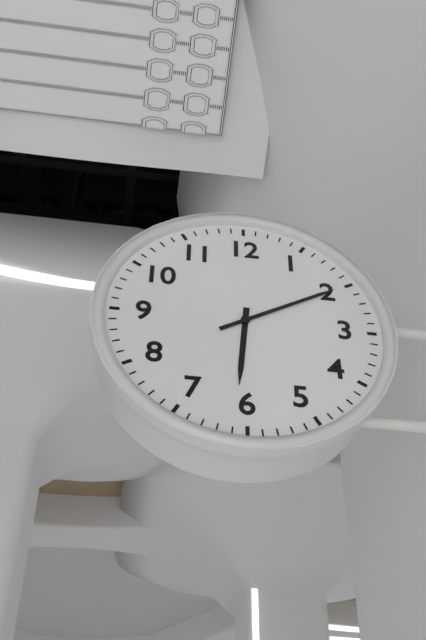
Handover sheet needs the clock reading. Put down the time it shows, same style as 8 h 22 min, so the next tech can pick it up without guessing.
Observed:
6 h 10 min
